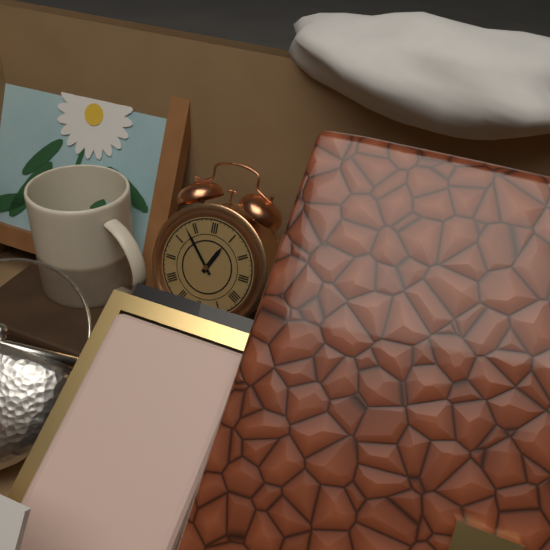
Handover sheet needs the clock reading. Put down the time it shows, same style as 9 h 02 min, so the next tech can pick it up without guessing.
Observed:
12 h 53 min
